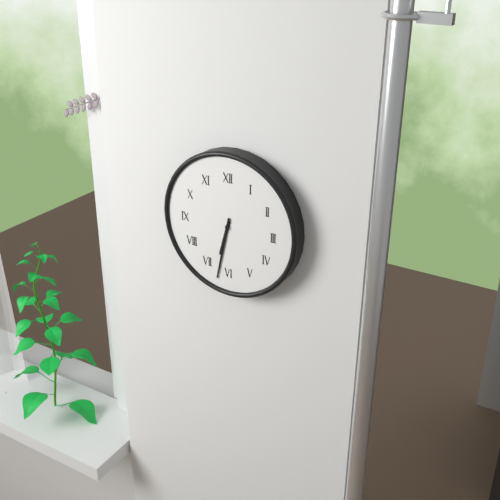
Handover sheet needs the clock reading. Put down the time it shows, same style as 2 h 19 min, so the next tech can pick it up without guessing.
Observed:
6 h 32 min
